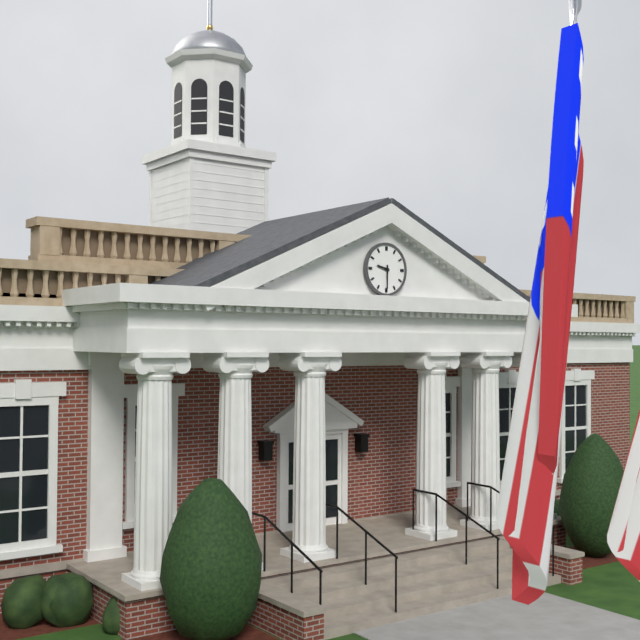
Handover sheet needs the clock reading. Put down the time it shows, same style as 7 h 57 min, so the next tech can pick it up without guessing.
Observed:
9 h 30 min
